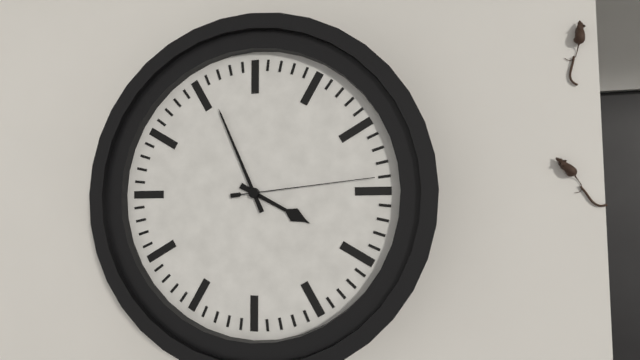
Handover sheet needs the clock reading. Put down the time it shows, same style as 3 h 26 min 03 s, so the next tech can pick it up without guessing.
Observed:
3 h 56 min 14 s
